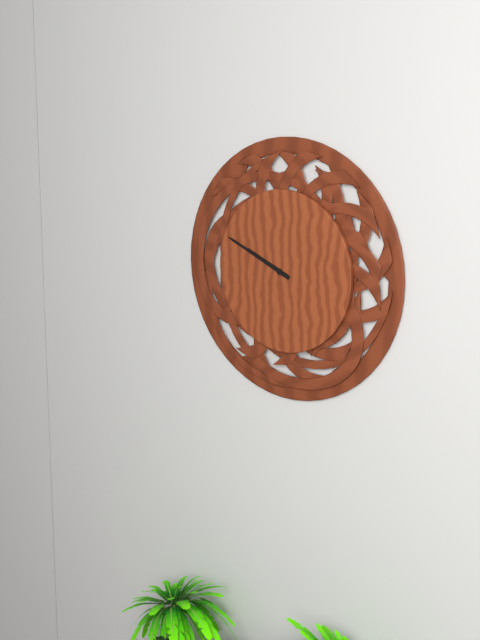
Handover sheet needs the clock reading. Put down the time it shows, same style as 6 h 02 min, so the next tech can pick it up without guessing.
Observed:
9 h 49 min
